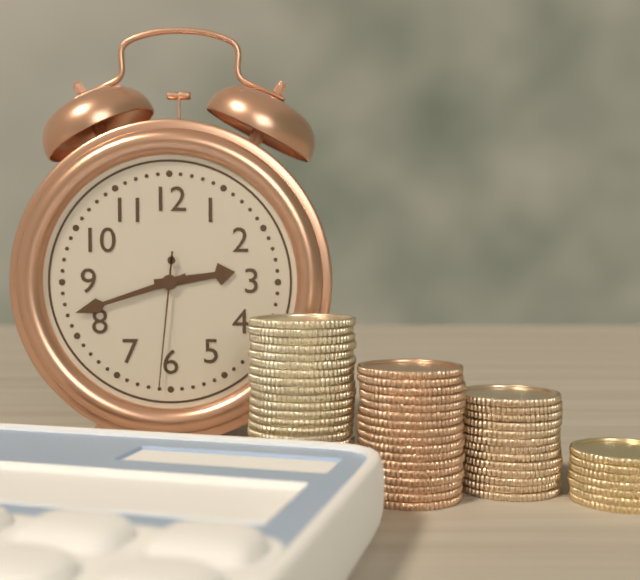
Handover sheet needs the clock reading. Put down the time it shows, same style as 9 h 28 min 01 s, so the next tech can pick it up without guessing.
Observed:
2 h 42 min 31 s
